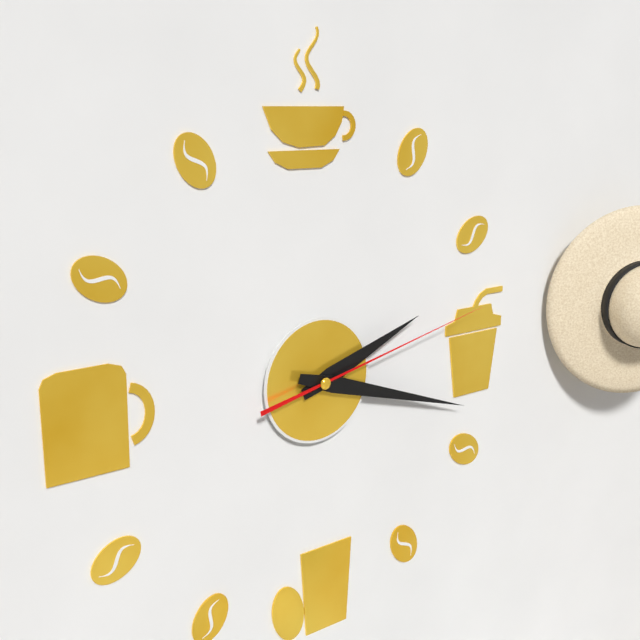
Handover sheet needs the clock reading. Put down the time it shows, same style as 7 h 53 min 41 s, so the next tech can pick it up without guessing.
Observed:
2 h 18 min 13 s
